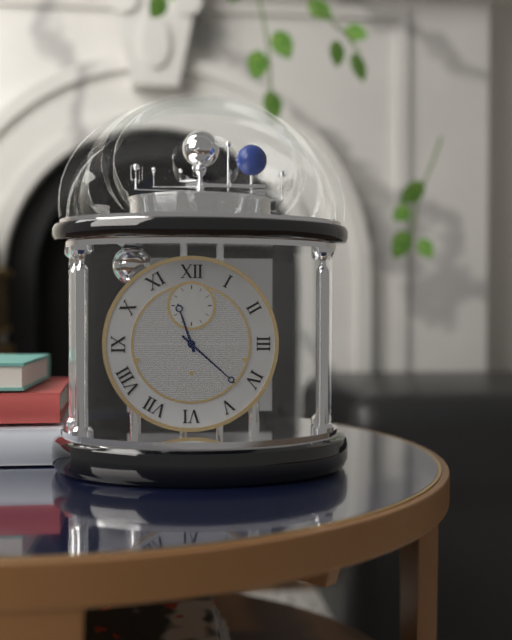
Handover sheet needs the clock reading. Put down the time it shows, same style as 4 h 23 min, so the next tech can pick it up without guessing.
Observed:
11 h 22 min
